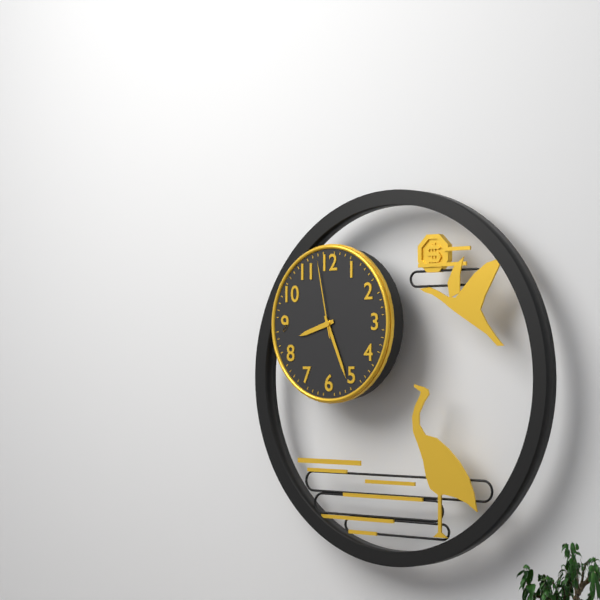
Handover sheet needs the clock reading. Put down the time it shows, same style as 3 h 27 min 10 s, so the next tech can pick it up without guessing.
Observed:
8 h 26 min 58 s
